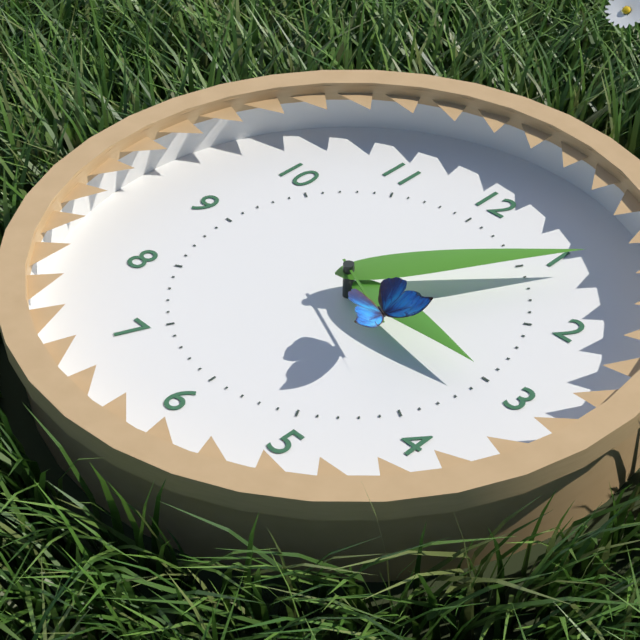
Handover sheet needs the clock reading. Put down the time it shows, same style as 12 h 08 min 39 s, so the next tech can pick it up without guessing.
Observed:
3 h 06 min 19 s
